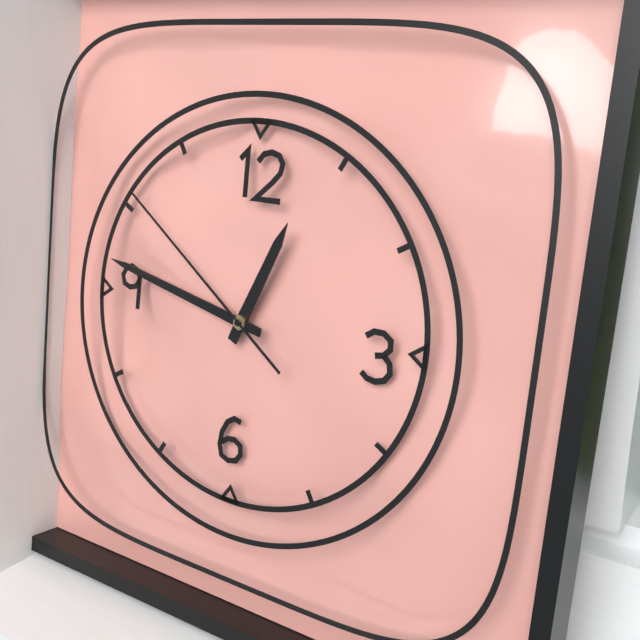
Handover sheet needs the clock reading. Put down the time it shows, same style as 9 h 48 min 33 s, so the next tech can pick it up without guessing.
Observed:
12 h 47 min 51 s
